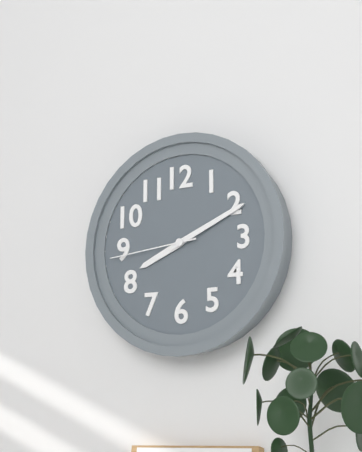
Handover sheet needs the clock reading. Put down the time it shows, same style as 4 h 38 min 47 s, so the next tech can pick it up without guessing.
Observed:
8 h 11 min 44 s
